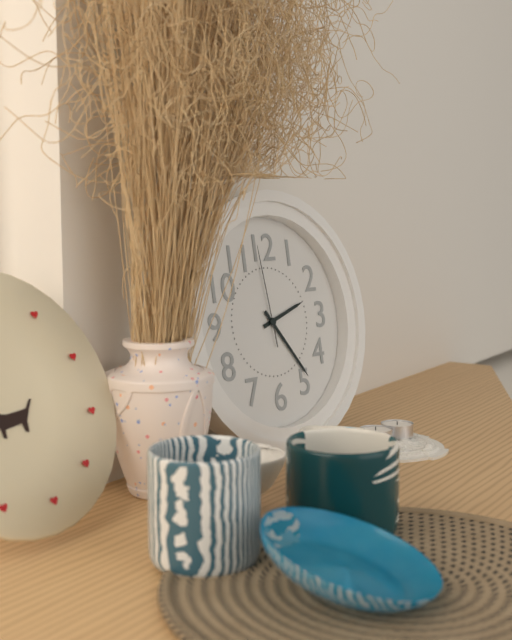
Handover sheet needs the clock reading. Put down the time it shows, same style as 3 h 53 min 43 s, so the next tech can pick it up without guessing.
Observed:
2 h 24 min 59 s
